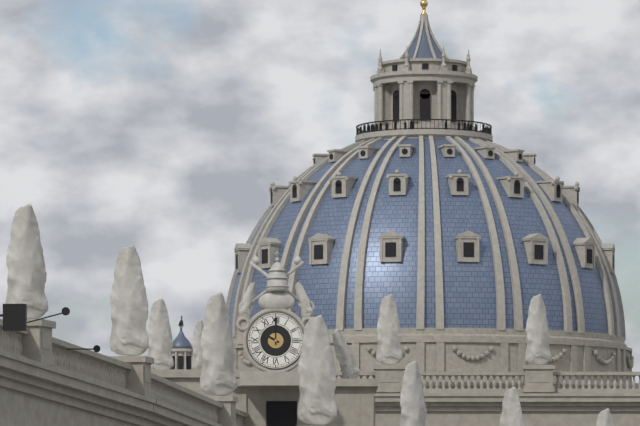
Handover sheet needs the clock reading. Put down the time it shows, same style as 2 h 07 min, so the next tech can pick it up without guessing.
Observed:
10 h 00 min
